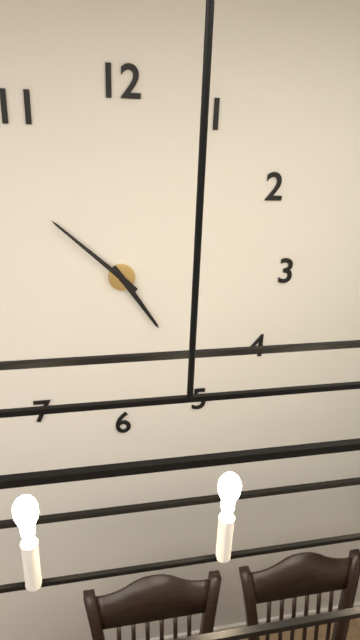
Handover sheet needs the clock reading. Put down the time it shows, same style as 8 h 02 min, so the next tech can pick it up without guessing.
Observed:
4 h 52 min
